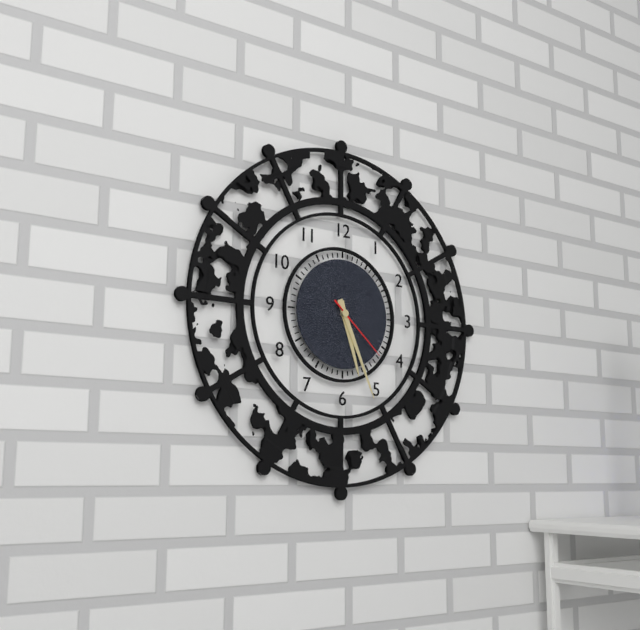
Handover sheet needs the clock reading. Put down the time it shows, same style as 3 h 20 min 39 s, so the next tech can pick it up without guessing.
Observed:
5 h 26 min 22 s
